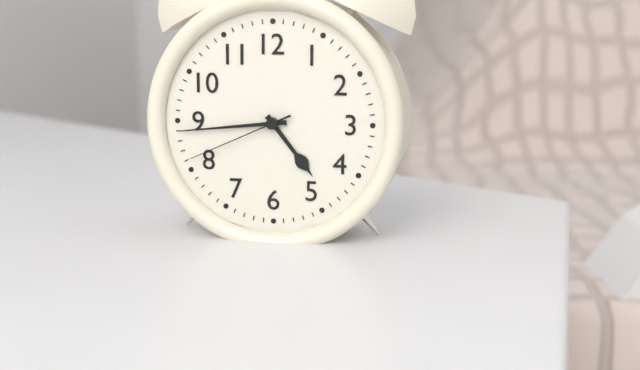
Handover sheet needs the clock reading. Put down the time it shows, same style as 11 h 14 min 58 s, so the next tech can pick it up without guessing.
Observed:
4 h 44 min 41 s
